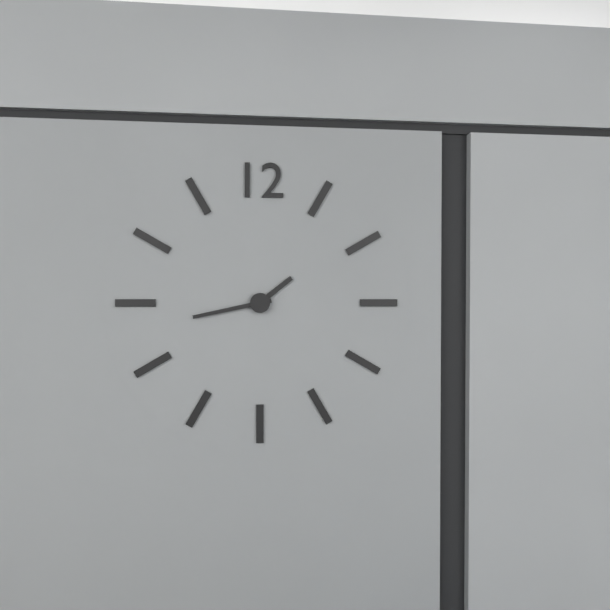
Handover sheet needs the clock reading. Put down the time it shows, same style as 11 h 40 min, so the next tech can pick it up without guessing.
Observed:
1 h 43 min
